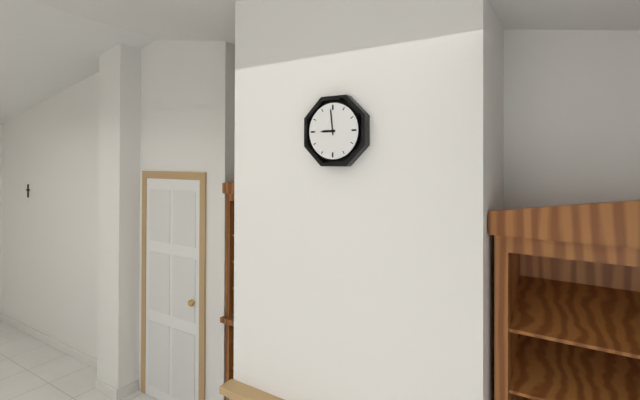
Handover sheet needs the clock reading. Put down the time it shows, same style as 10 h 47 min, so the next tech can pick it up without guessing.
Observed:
8 h 59 min
